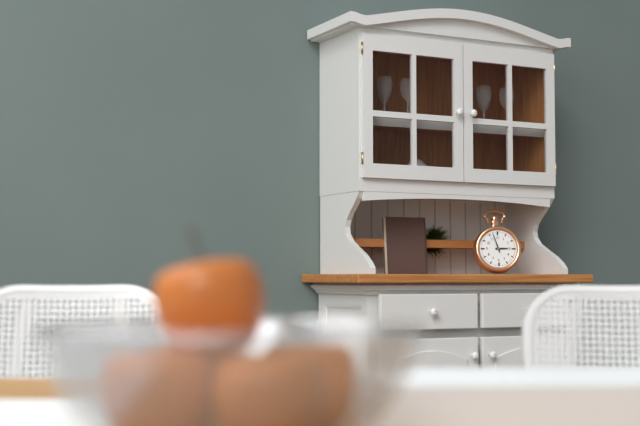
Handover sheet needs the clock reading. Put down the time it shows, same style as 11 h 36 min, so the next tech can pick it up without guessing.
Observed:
2 h 57 min
